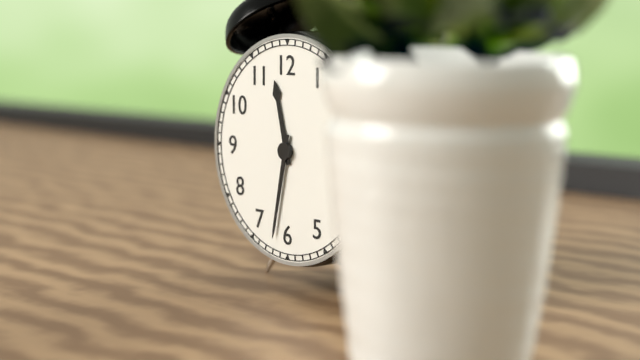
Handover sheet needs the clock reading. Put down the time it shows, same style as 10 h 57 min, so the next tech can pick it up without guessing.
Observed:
11 h 32 min
